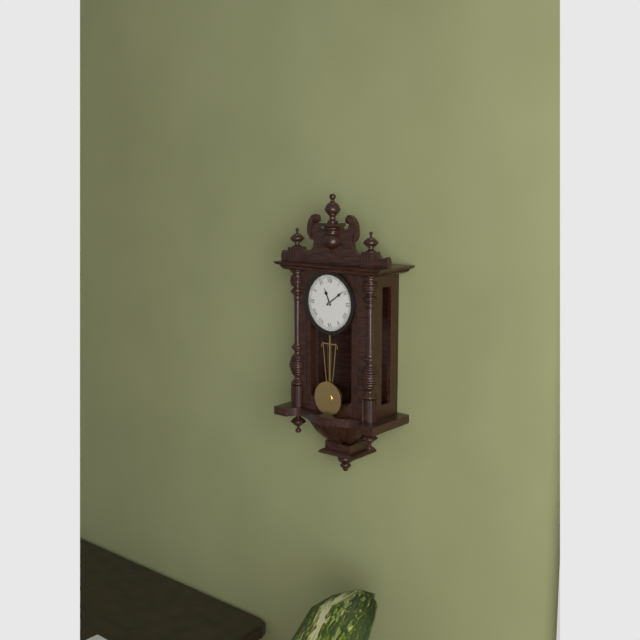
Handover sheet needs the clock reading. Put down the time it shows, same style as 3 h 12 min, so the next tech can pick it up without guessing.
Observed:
11 h 09 min
